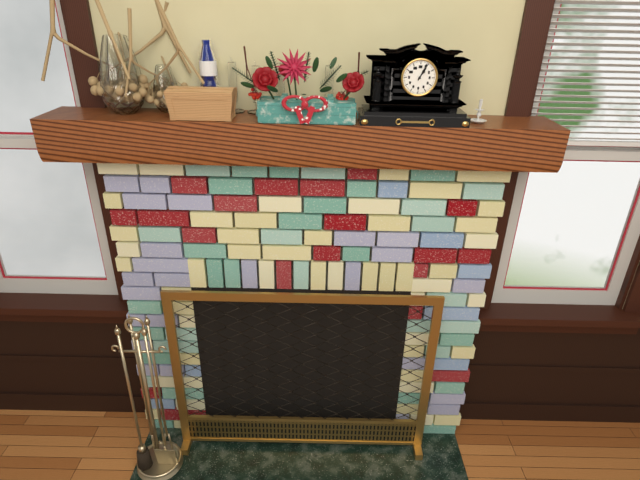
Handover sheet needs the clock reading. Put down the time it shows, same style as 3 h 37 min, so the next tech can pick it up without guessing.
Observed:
1 h 04 min
